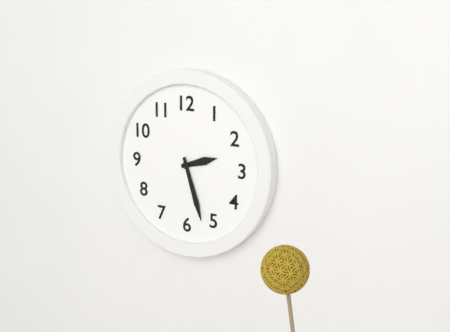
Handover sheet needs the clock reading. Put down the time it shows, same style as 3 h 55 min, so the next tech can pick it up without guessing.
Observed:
2 h 27 min
